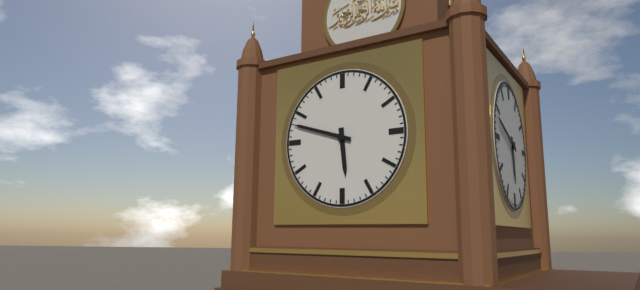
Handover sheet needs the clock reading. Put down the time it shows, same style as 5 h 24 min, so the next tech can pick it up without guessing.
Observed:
5 h 48 min
